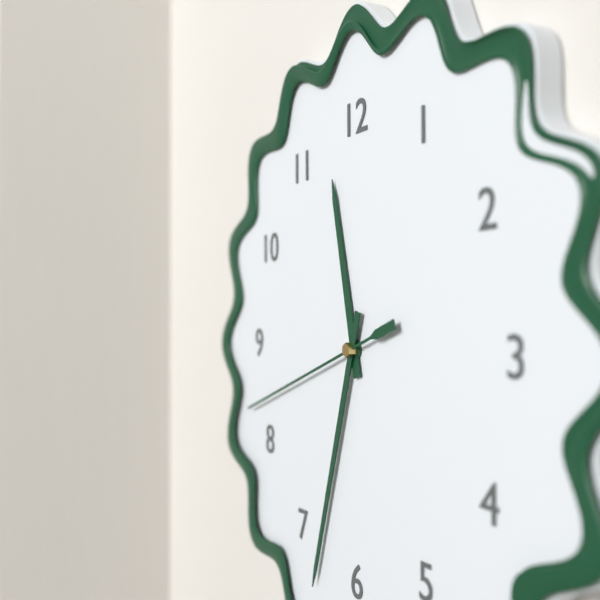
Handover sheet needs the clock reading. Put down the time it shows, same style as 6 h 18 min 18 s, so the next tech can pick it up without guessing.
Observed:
11 h 33 min 42 s
